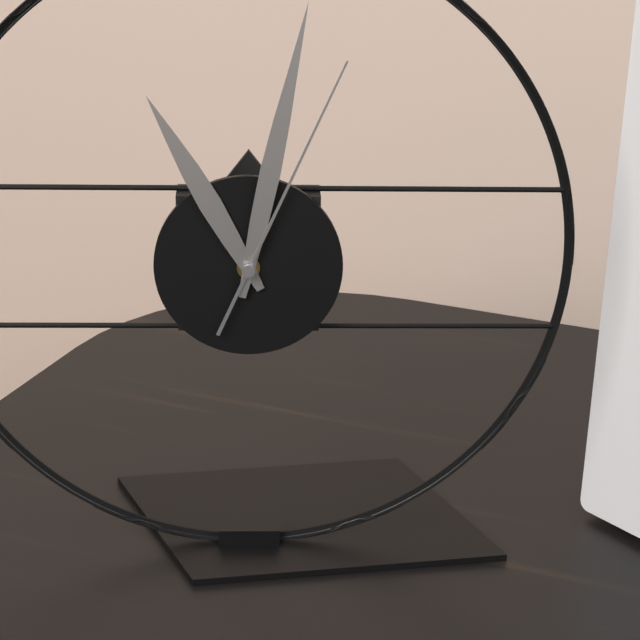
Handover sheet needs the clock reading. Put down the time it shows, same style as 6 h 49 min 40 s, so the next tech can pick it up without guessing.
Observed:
11 h 02 min 04 s
